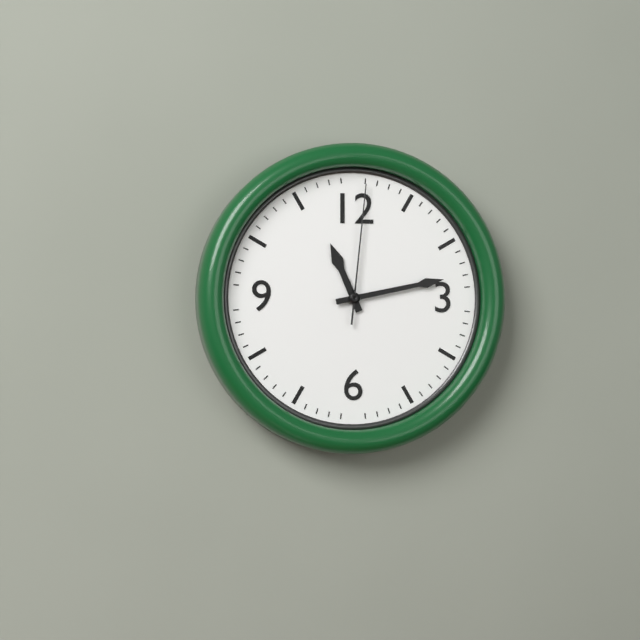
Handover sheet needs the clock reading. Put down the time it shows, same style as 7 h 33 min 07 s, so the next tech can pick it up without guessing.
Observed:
11 h 13 min 01 s
